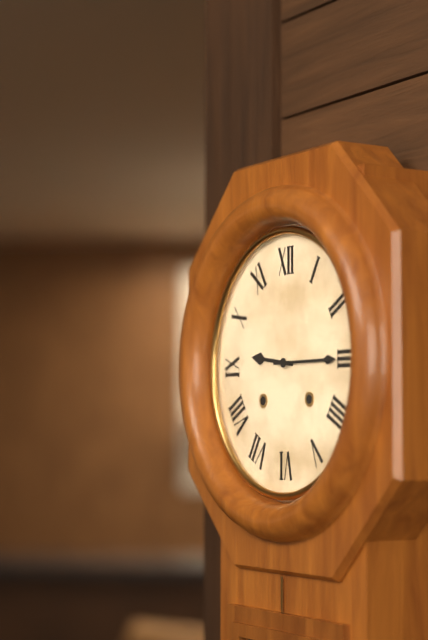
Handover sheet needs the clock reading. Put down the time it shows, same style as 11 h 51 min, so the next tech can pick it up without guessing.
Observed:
9 h 15 min
